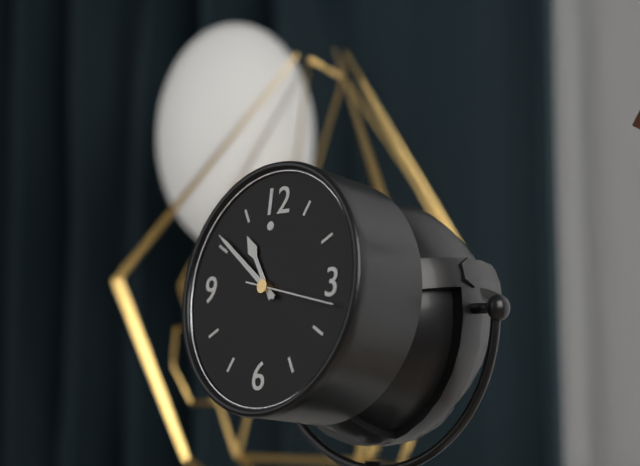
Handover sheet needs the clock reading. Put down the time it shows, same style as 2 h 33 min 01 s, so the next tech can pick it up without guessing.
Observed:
10 h 51 min 17 s
